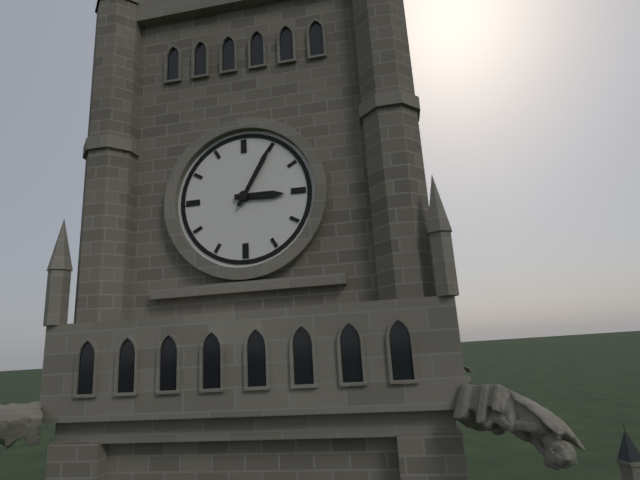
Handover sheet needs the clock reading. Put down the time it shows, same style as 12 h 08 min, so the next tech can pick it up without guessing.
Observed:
3 h 05 min
